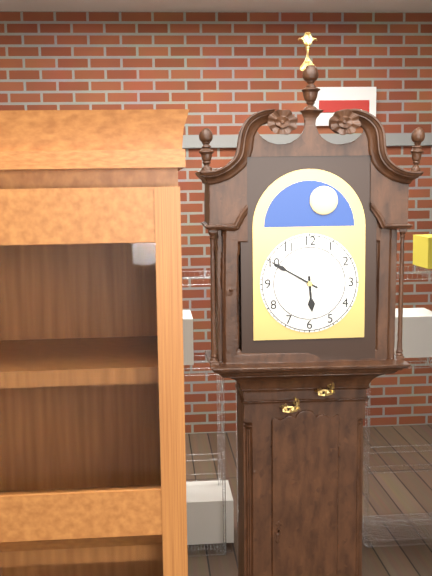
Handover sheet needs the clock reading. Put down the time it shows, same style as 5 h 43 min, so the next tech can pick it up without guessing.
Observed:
5 h 50 min
